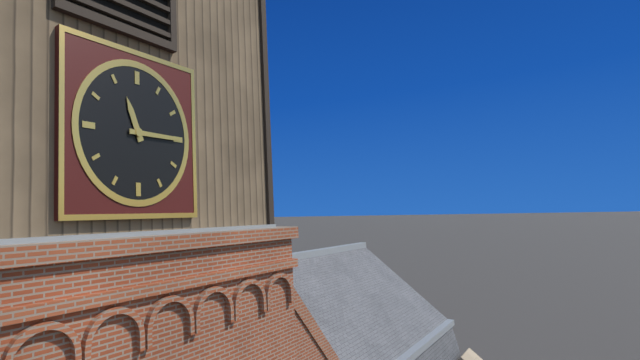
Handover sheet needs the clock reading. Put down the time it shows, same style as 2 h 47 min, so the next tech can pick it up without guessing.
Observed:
11 h 15 min
